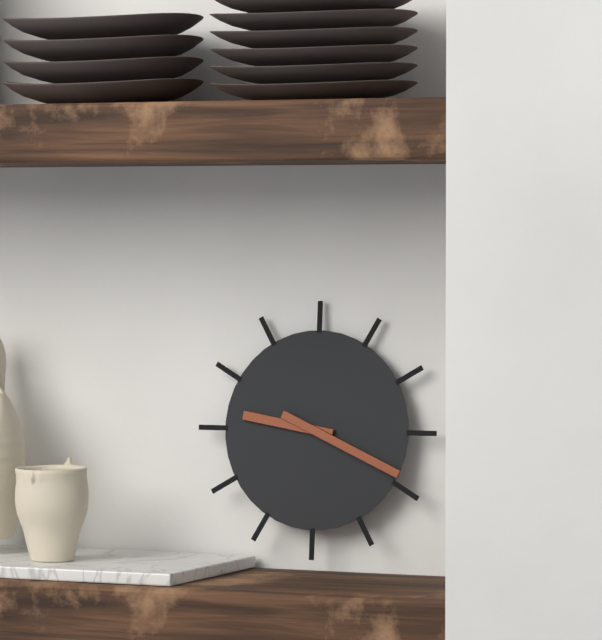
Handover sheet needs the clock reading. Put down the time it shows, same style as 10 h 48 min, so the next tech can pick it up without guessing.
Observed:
9 h 19 min
